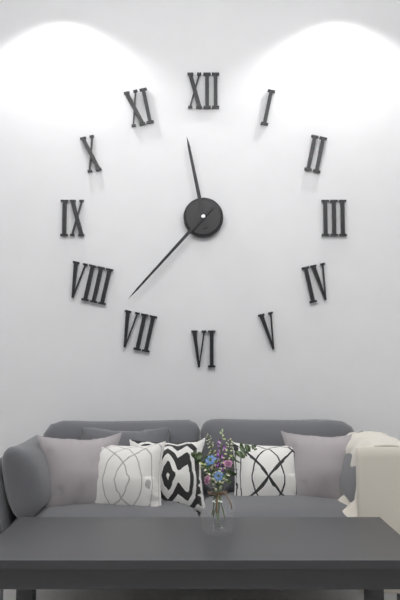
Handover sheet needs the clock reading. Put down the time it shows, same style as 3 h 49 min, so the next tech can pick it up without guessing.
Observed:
11 h 37 min
